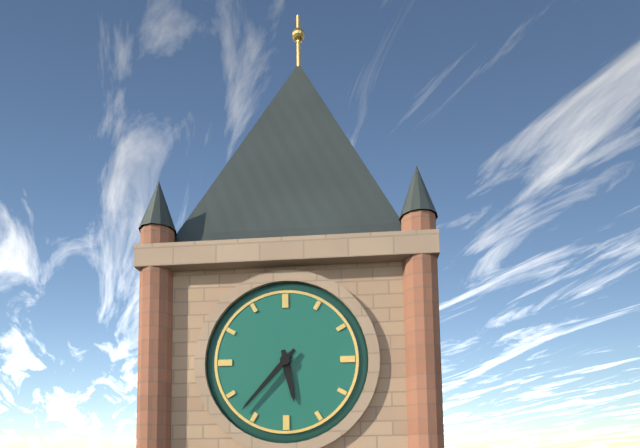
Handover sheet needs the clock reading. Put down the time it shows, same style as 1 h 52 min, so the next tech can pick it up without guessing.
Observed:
5 h 37 min
